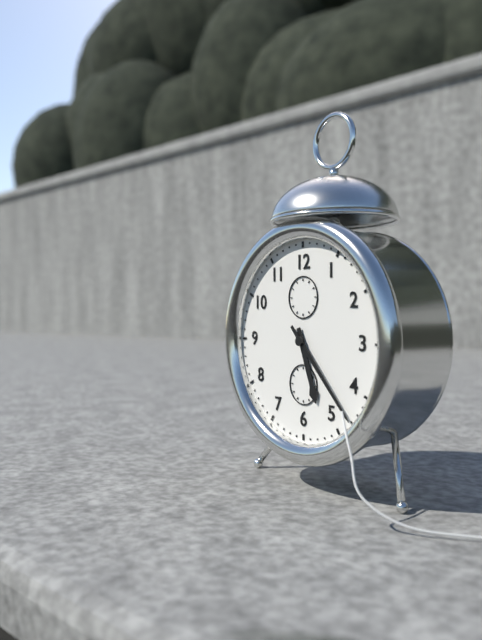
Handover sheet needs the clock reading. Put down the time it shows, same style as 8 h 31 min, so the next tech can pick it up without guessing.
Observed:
5 h 23 min
